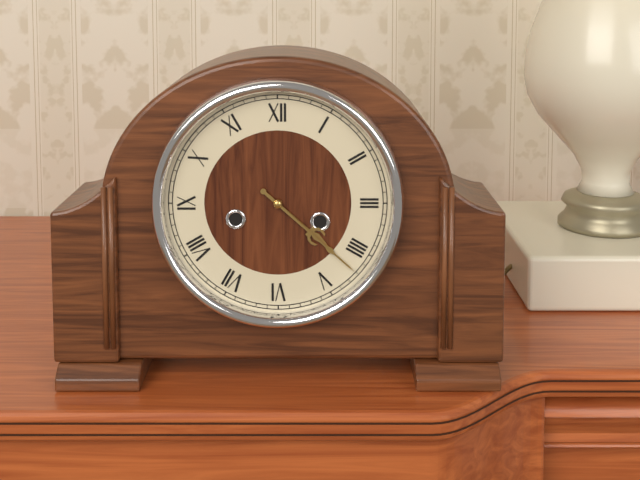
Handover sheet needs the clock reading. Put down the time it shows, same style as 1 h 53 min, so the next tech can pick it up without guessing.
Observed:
4 h 22 min
